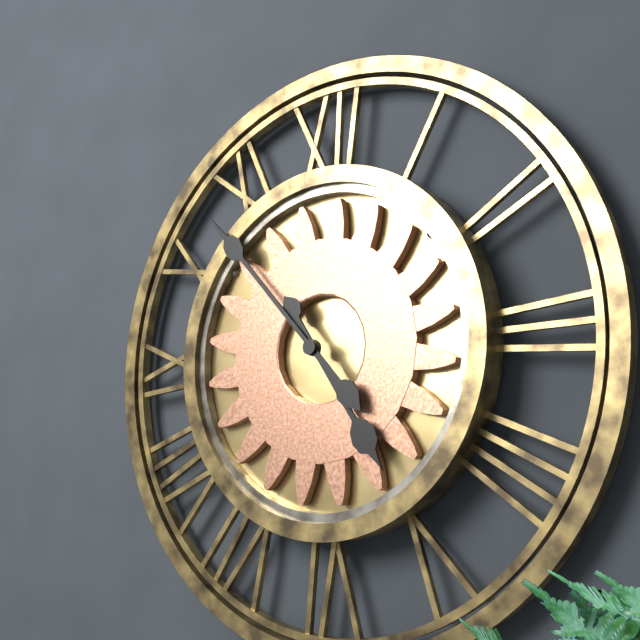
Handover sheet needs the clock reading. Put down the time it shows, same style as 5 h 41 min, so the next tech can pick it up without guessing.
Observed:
4 h 53 min
